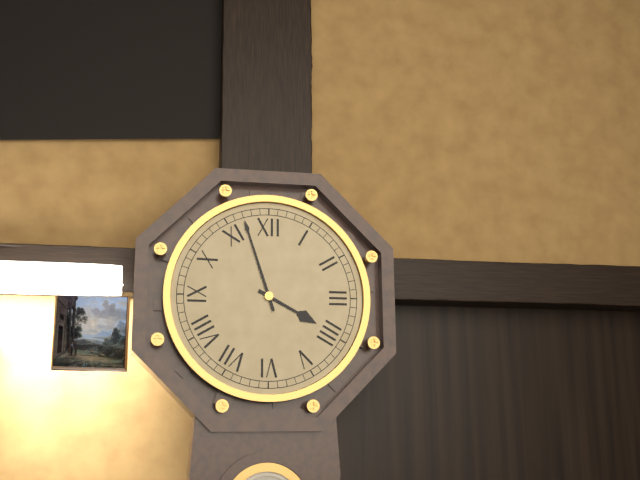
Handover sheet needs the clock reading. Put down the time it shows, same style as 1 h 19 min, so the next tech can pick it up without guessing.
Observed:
3 h 57 min
